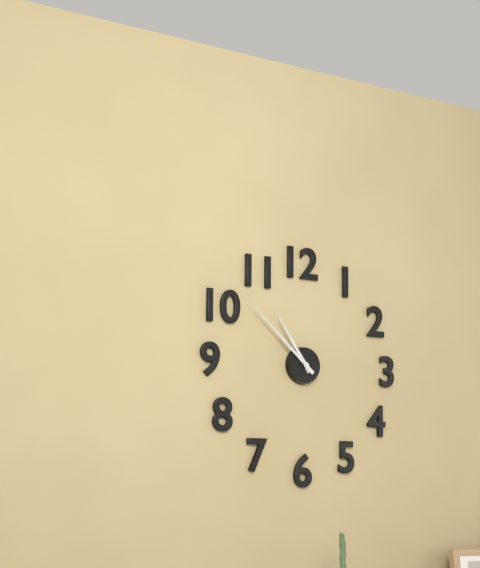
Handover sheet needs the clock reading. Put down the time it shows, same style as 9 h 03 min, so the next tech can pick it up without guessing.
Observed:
10 h 52 min
